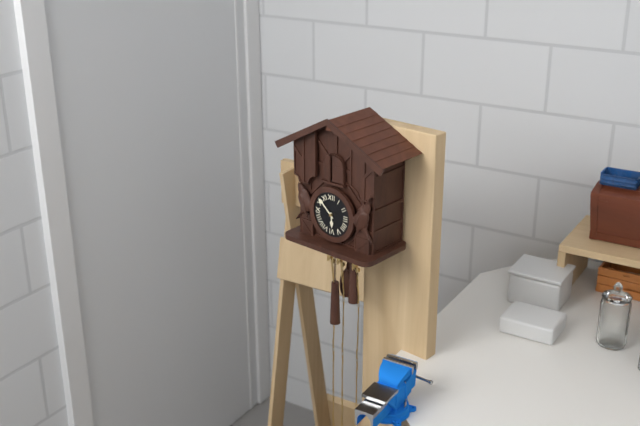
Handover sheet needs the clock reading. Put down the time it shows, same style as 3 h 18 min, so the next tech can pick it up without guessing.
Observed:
5 h 52 min
